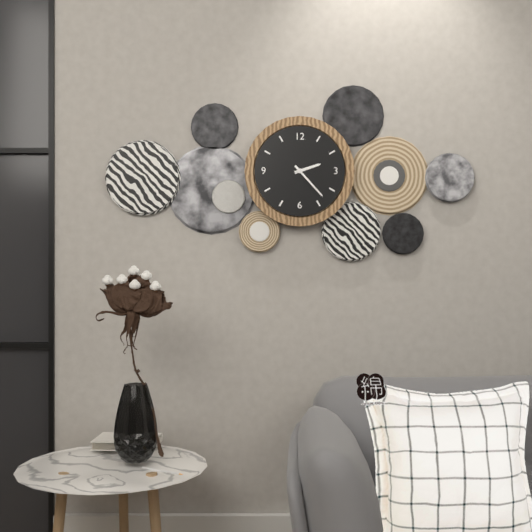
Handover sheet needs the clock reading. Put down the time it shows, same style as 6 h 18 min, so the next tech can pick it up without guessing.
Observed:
2 h 23 min
